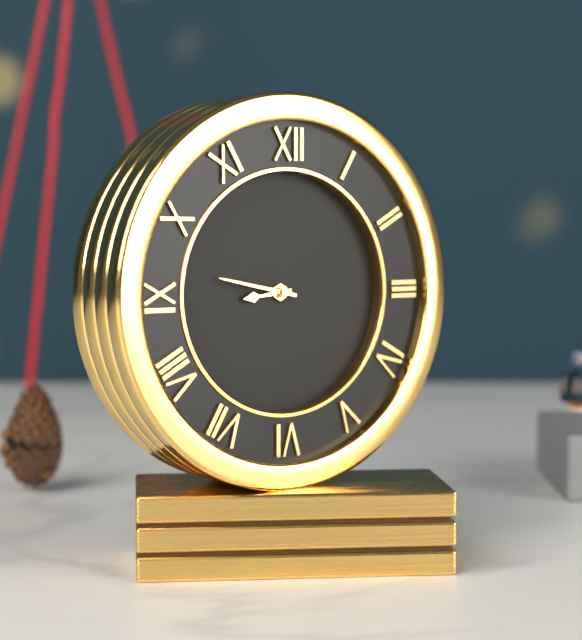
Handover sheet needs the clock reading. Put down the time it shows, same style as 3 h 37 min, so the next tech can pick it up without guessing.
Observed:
8 h 47 min
